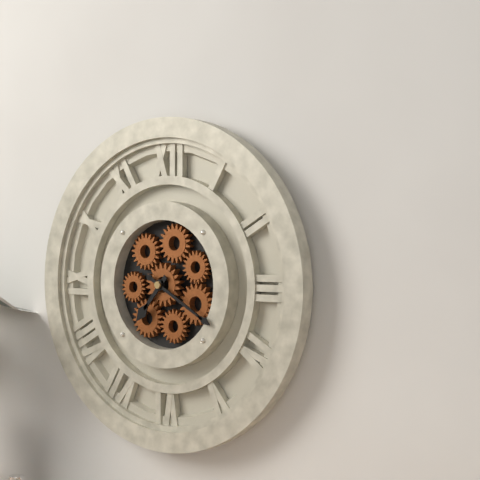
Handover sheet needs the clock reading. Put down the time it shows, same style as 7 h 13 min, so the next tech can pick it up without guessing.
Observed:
7 h 20 min
